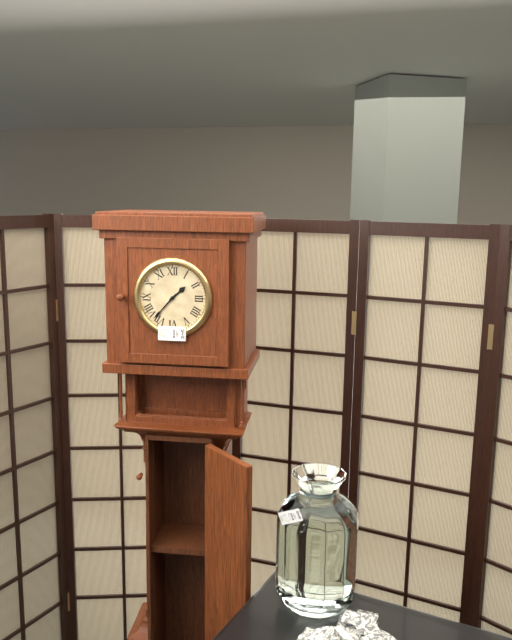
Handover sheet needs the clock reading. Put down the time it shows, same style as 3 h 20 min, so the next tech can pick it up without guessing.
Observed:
1 h 37 min
